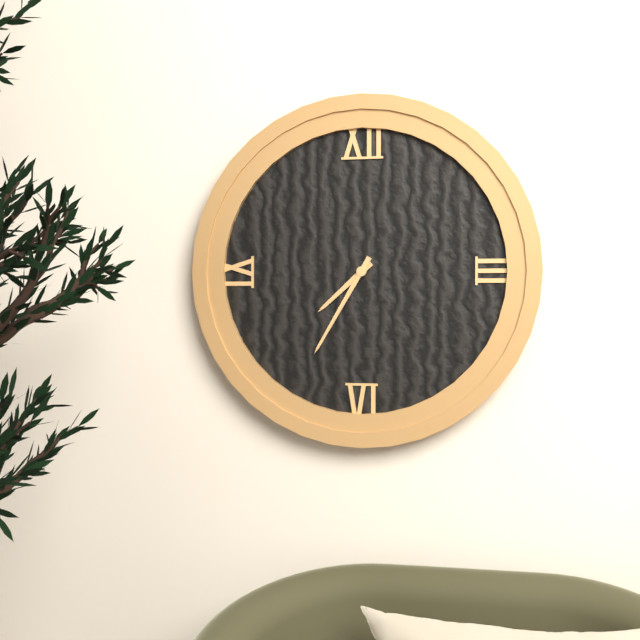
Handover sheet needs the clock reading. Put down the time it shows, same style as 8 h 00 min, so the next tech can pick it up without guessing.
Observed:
7 h 35 min
